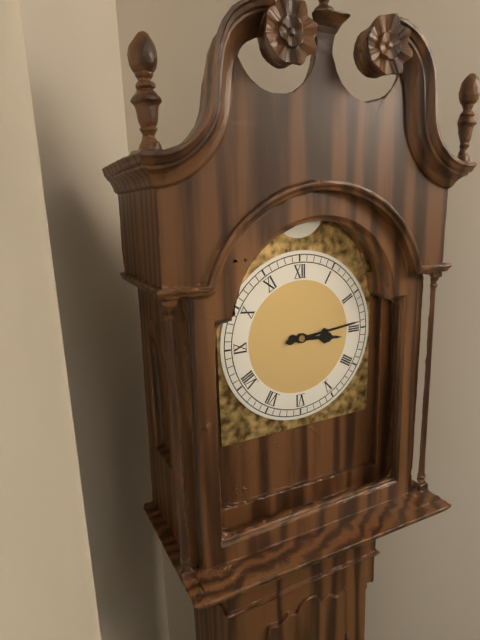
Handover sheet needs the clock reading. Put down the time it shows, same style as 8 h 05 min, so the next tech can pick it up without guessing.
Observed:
3 h 14 min
